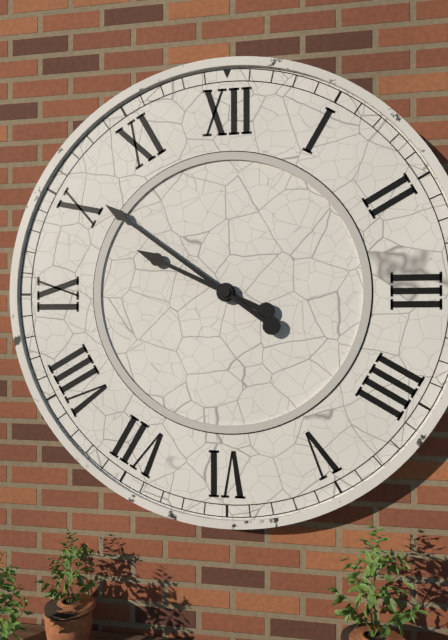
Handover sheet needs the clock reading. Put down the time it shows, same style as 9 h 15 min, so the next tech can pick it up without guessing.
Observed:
9 h 51 min
